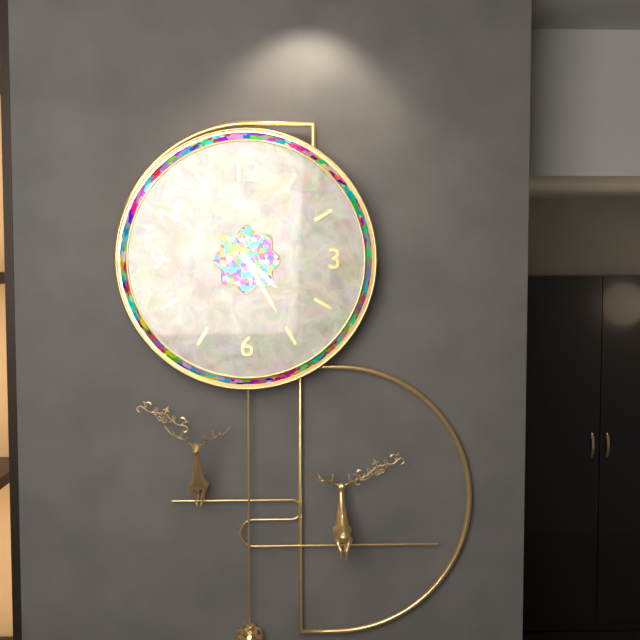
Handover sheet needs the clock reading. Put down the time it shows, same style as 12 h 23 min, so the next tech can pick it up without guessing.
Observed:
4 h 25 min
